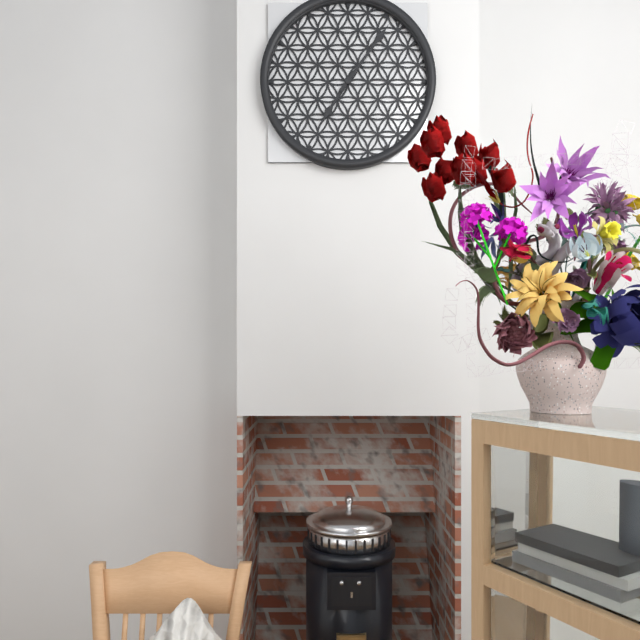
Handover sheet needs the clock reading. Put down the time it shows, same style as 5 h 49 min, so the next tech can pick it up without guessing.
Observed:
7 h 06 min
